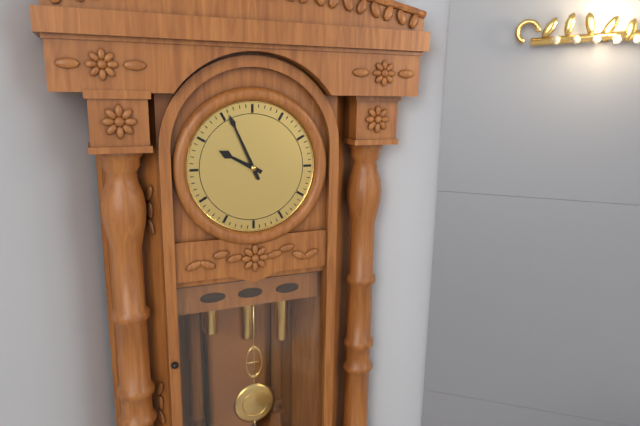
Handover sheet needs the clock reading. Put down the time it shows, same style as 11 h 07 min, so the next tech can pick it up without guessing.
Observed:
9 h 56 min
